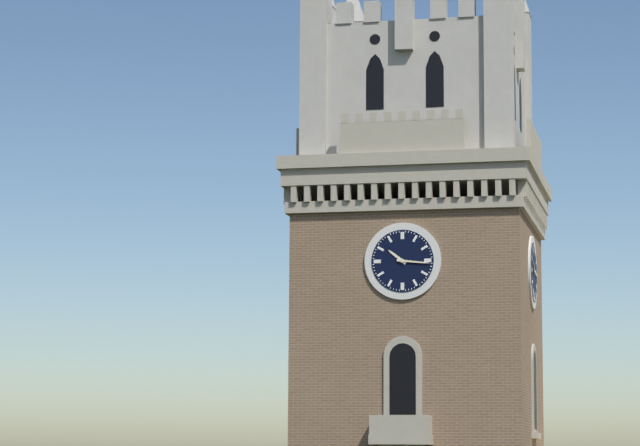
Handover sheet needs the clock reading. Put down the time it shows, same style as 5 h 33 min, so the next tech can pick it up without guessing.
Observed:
10 h 16 min
